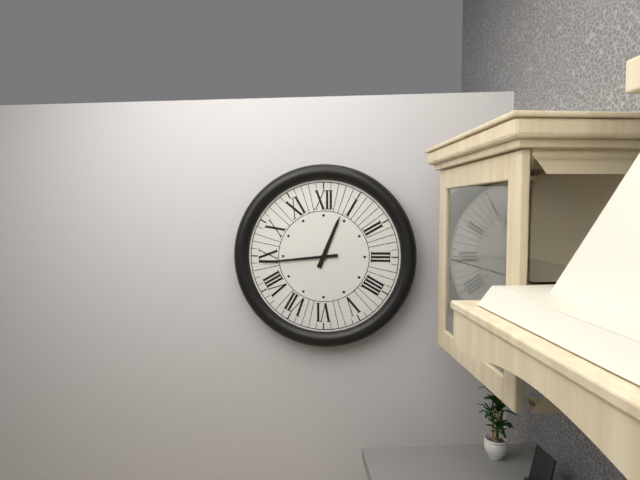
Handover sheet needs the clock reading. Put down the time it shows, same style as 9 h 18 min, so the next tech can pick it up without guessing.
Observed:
12 h 44 min
